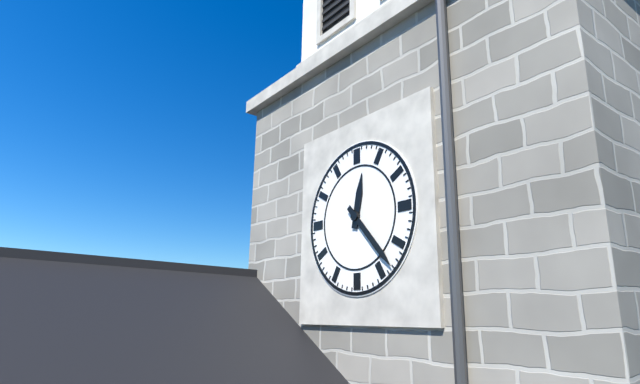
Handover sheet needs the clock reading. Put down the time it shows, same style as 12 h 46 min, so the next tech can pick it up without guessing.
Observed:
12 h 23 min
